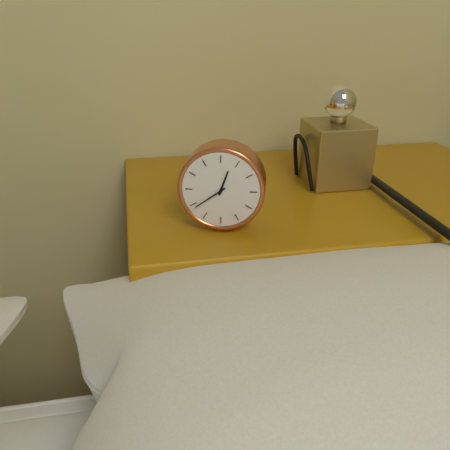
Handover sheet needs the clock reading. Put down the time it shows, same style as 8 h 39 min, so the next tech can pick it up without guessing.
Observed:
12 h 39 min
